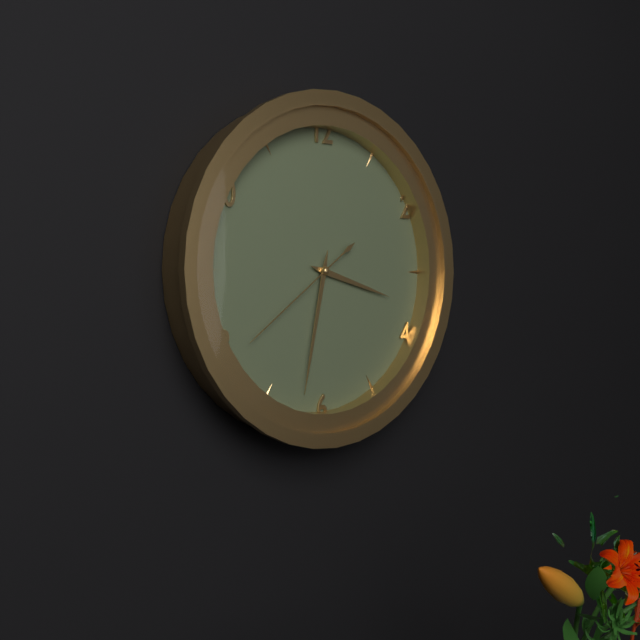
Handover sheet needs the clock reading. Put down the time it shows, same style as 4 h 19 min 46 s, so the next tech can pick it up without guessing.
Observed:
3 h 32 min 39 s
